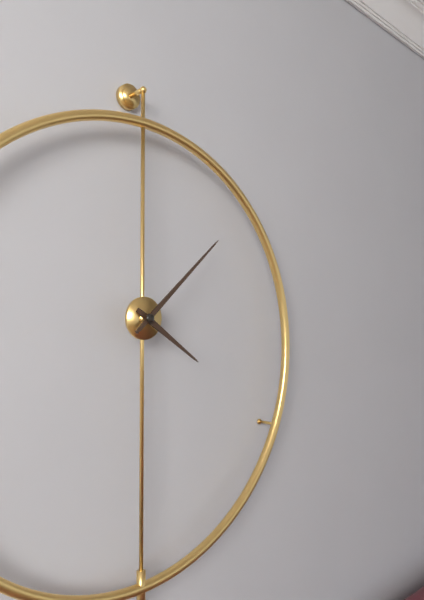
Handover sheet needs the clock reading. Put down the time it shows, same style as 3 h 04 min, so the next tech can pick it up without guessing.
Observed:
4 h 08 min
